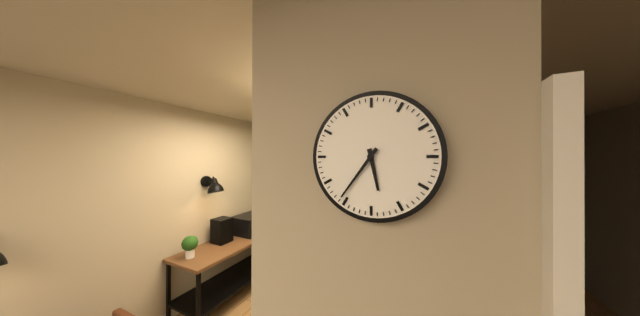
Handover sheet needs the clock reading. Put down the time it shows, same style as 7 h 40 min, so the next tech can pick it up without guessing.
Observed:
5 h 36 min
